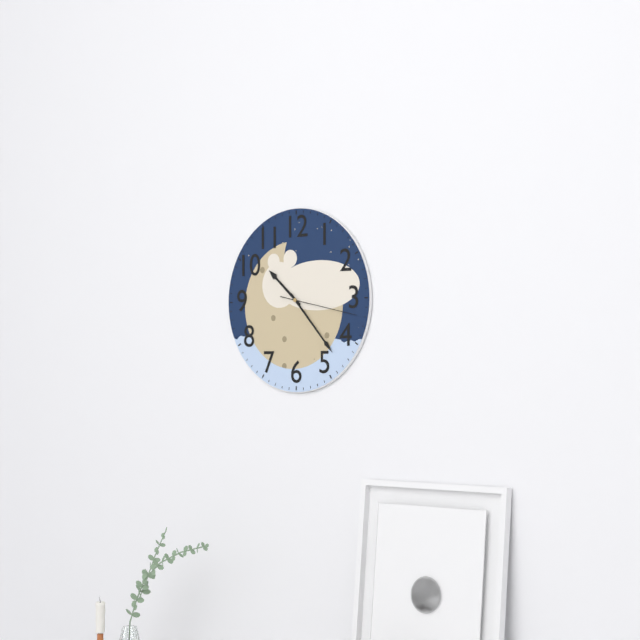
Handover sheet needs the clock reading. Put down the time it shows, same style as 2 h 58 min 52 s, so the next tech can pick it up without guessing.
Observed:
10 h 23 min 17 s
